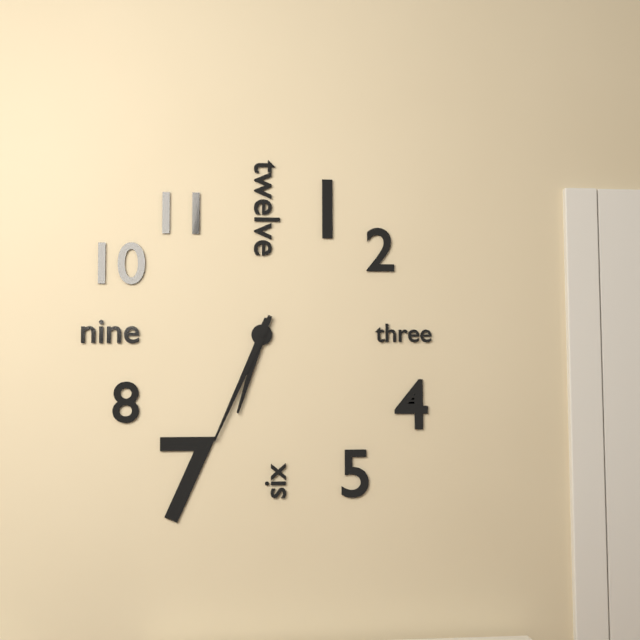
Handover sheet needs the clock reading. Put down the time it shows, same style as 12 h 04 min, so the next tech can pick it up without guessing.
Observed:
6 h 34 min
